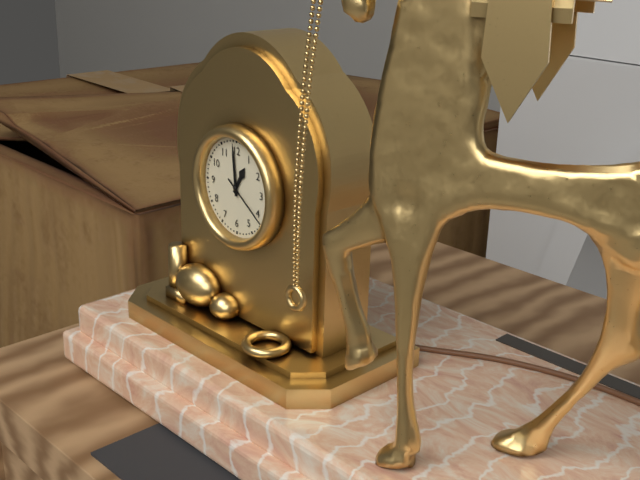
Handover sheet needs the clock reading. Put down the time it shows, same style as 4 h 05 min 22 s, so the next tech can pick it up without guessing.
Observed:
12 h 59 min 21 s
